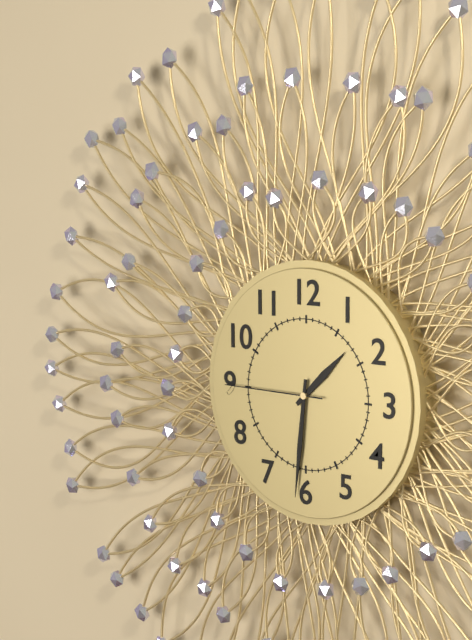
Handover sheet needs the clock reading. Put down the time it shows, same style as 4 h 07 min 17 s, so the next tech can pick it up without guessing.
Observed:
1 h 31 min 45 s
